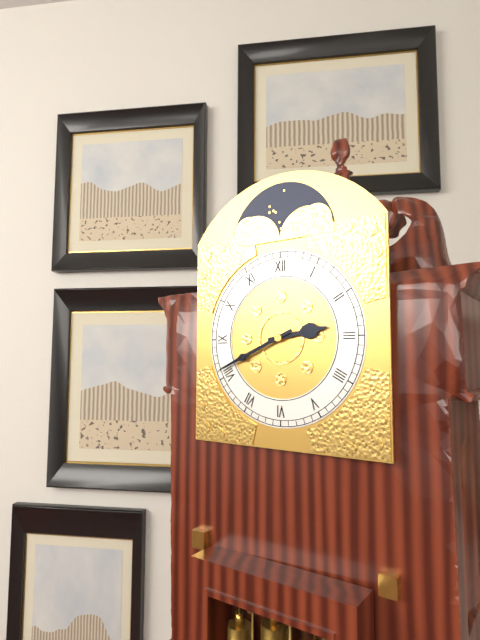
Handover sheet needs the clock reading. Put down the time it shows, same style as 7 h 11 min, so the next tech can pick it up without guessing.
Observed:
2 h 41 min
